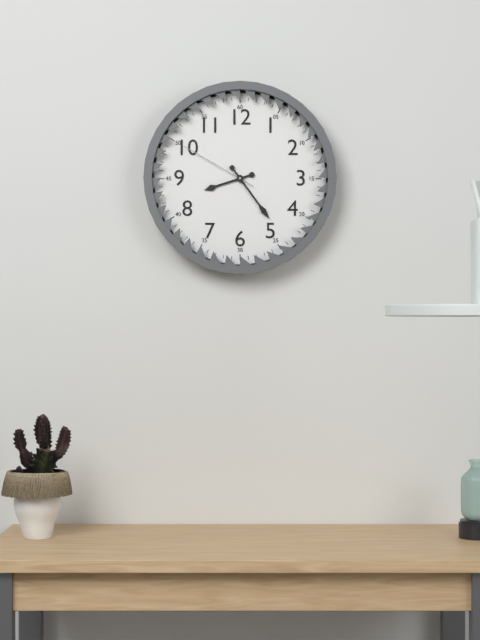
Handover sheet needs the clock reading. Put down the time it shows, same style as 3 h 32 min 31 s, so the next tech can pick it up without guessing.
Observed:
8 h 24 min 50 s
